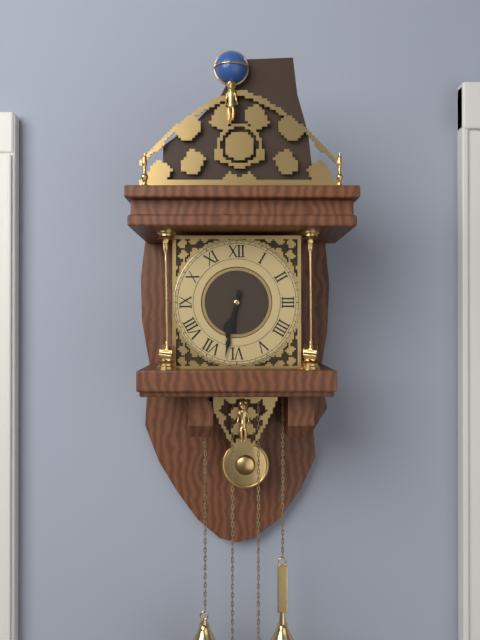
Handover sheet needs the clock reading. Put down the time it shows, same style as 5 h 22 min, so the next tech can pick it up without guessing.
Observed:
6 h 32 min
